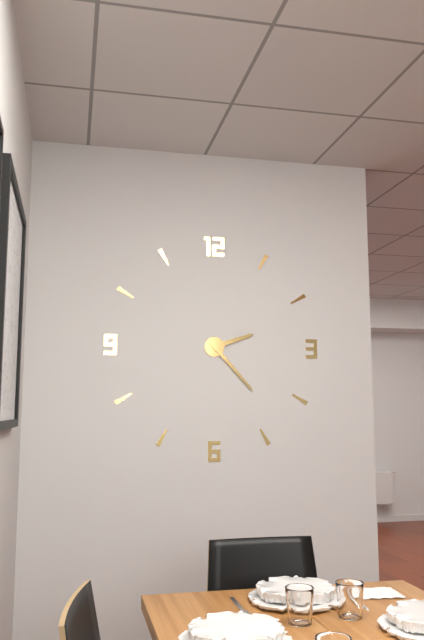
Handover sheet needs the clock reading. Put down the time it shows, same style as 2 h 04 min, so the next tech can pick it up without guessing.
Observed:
2 h 23 min
